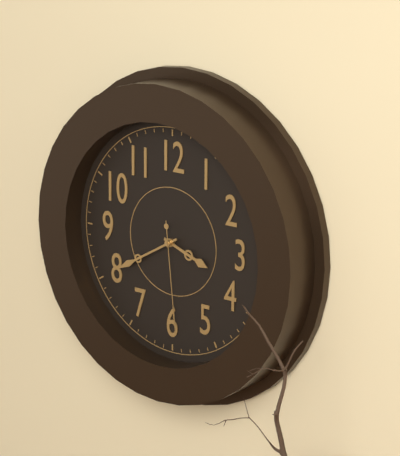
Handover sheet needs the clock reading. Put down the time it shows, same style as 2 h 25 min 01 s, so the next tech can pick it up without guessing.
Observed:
3 h 40 min 29 s
